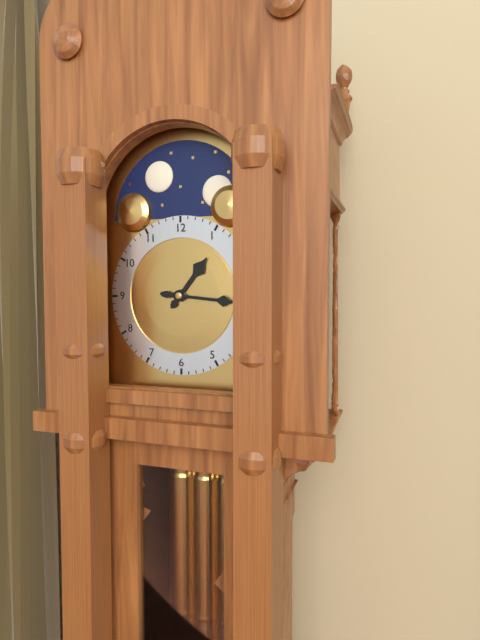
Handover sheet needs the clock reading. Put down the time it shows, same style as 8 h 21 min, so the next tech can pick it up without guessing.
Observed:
1 h 16 min
